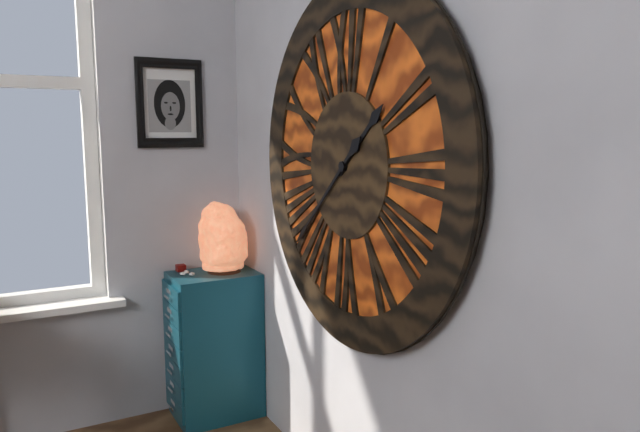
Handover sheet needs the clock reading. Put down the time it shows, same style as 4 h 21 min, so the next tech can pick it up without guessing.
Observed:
1 h 38 min
